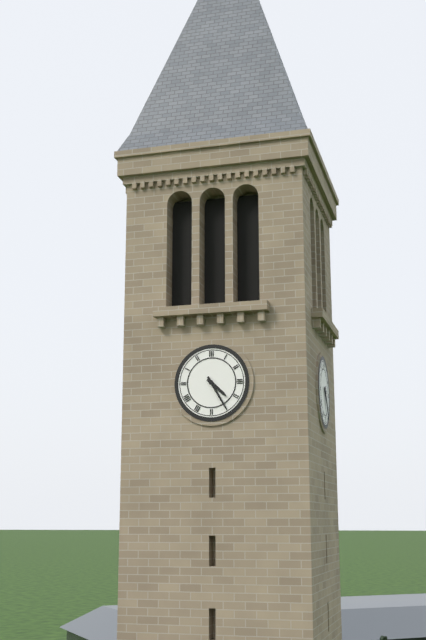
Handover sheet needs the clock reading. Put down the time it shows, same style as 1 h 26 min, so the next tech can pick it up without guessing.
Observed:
4 h 25 min
